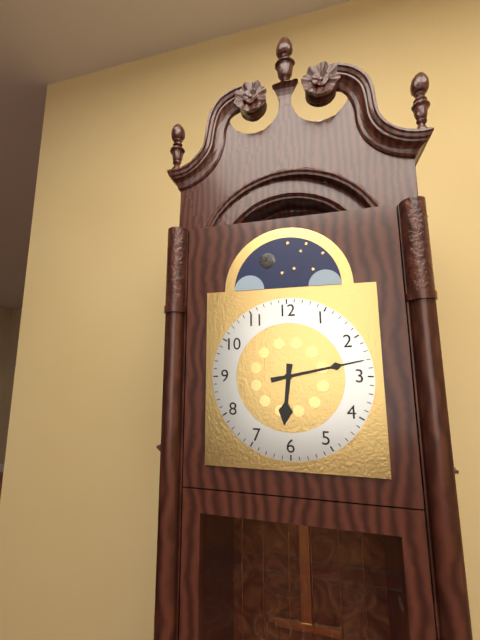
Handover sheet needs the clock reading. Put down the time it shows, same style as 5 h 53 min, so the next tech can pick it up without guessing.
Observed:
6 h 13 min
